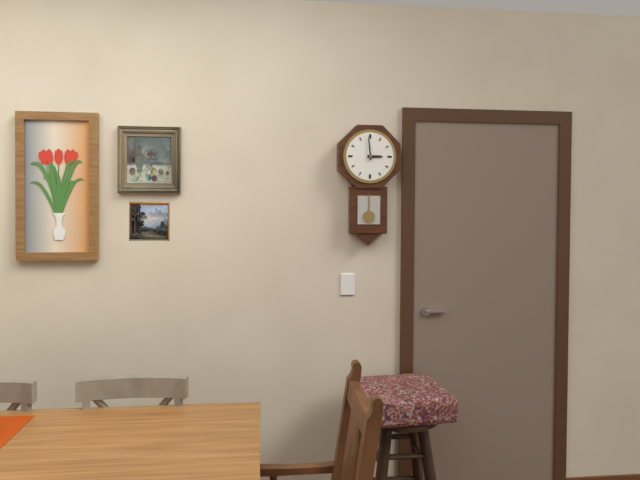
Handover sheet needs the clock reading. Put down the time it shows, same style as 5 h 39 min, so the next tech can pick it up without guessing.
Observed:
2 h 59 min
